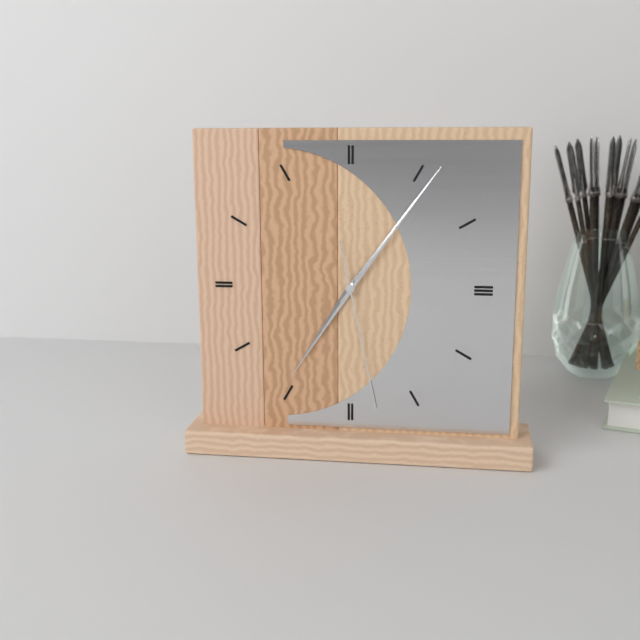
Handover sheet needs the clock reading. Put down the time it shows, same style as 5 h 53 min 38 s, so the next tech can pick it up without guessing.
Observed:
7 h 06 min 28 s
